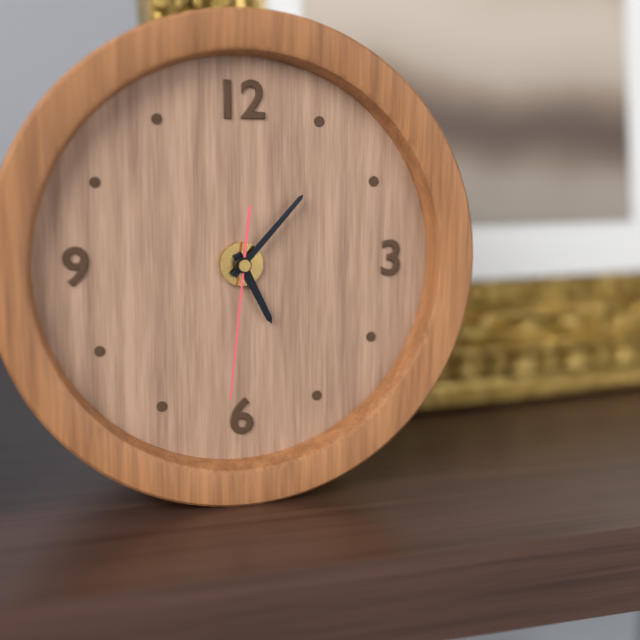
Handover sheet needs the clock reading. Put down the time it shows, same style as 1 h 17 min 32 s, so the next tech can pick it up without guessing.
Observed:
5 h 07 min 31 s
